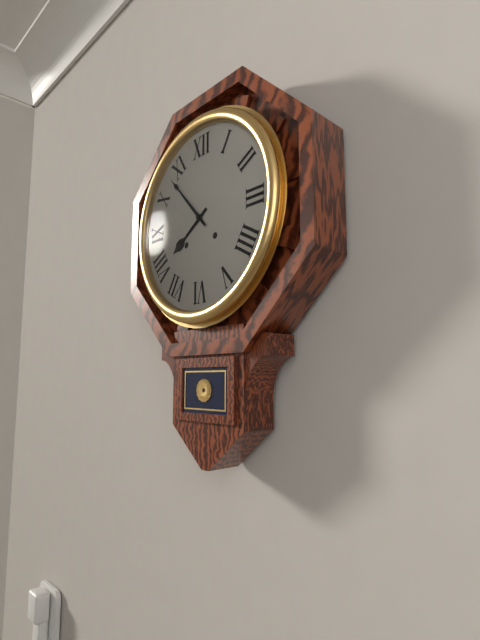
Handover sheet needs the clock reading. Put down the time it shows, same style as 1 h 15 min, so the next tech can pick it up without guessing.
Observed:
7 h 53 min
